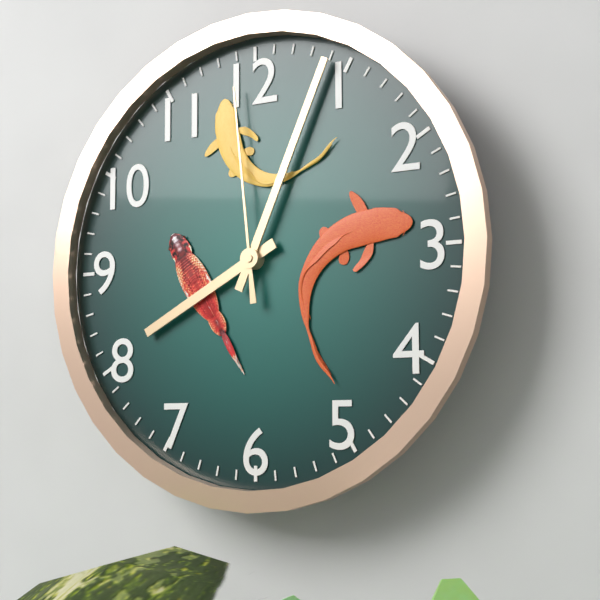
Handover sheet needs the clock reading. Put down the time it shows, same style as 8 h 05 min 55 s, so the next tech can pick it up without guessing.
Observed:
8 h 04 min 59 s
